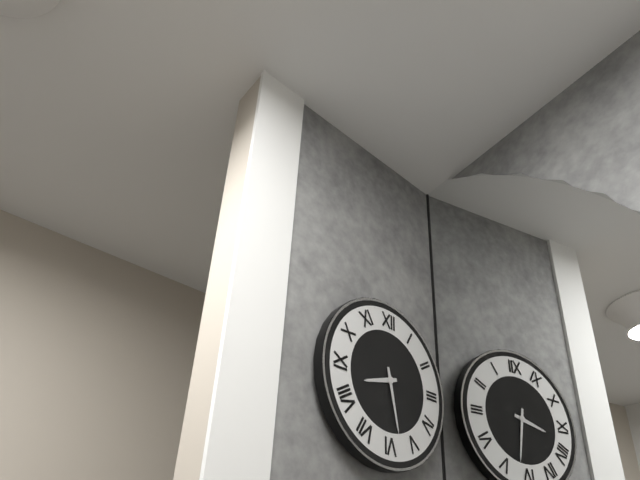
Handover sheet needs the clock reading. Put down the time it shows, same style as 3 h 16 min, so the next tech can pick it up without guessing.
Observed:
8 h 28 min
